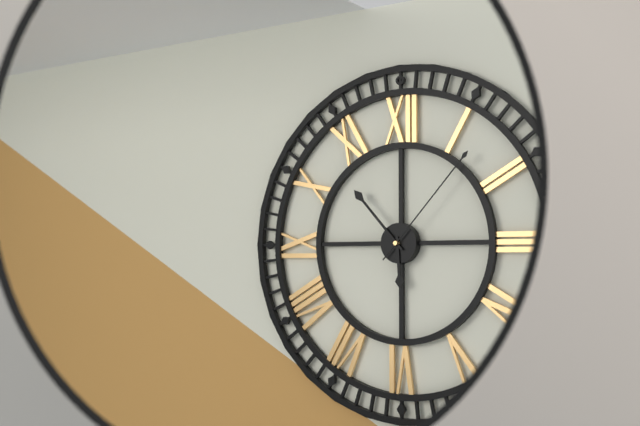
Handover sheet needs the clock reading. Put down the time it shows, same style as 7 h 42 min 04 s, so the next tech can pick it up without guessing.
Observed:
5 h 53 min 07 s
